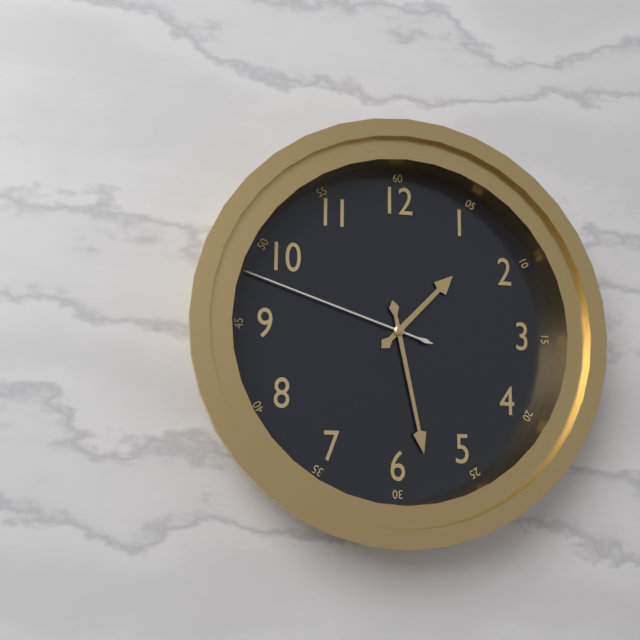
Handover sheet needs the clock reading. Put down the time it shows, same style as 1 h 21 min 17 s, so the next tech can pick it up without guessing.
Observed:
1 h 28 min 48 s
